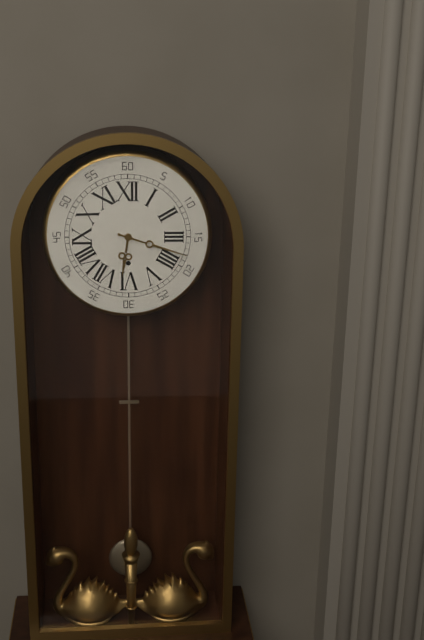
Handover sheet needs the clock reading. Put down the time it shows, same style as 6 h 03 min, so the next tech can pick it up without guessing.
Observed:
6 h 18 min
